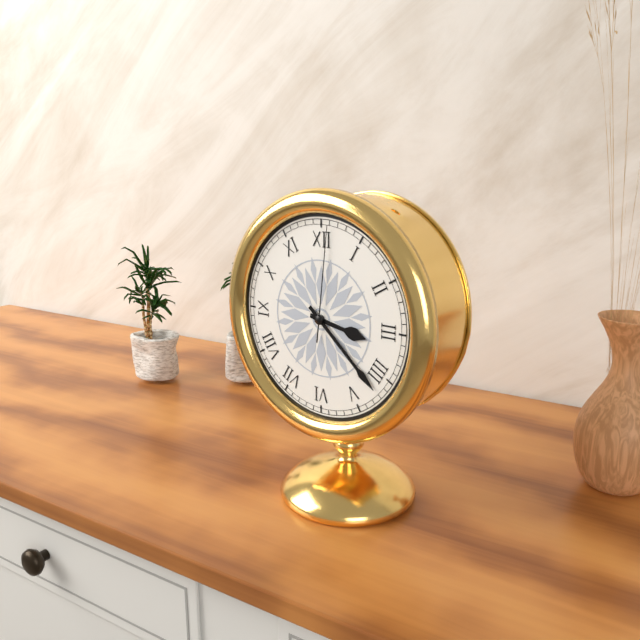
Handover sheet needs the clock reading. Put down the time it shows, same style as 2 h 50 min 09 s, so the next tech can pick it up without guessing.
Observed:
3 h 22 min 01 s
